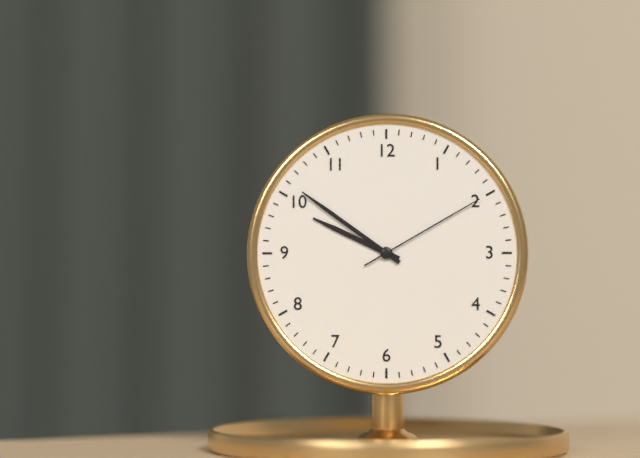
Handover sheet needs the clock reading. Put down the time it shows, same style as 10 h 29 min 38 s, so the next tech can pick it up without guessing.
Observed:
9 h 51 min 10 s
